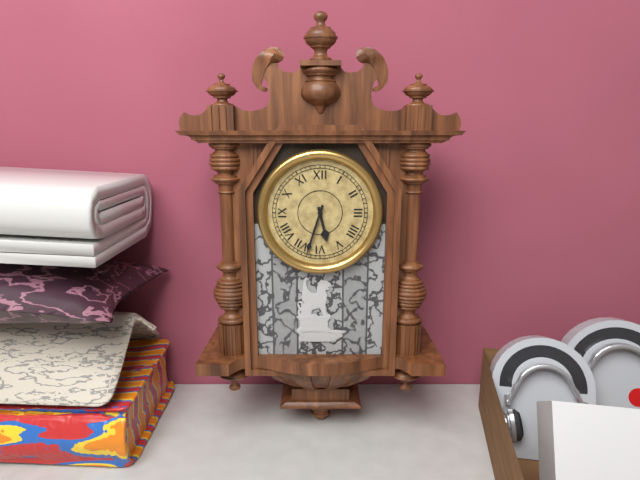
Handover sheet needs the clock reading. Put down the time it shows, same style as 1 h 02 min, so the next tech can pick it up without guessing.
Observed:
5 h 33 min
